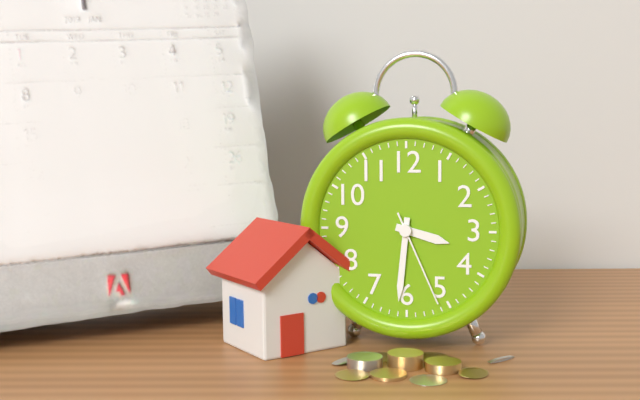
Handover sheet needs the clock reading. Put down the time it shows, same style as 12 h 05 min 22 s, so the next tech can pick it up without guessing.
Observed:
3 h 31 min 26 s
